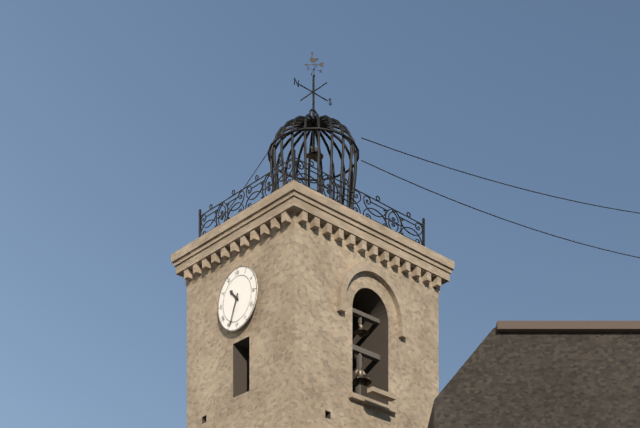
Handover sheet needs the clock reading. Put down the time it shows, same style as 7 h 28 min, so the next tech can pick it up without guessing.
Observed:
10 h 34 min
